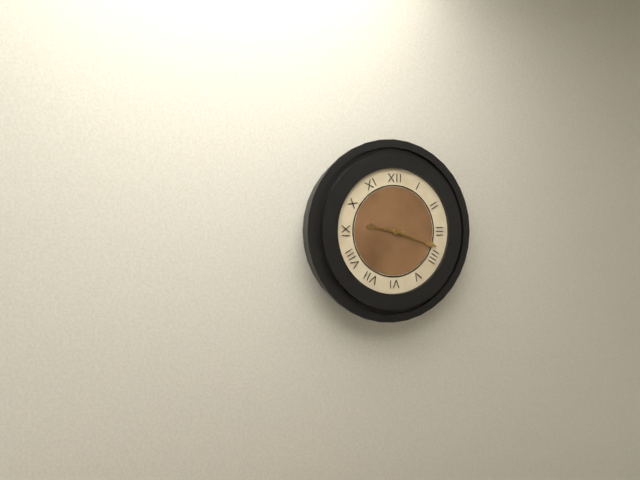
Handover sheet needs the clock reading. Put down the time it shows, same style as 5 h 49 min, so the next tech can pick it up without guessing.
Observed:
9 h 18 min
